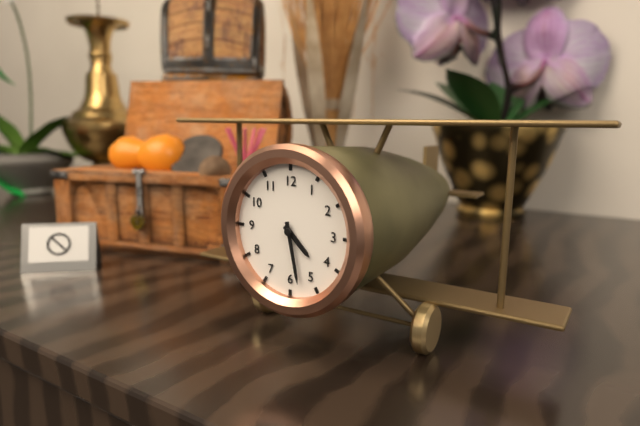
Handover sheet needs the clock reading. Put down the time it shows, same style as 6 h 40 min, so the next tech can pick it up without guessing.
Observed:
4 h 28 min
